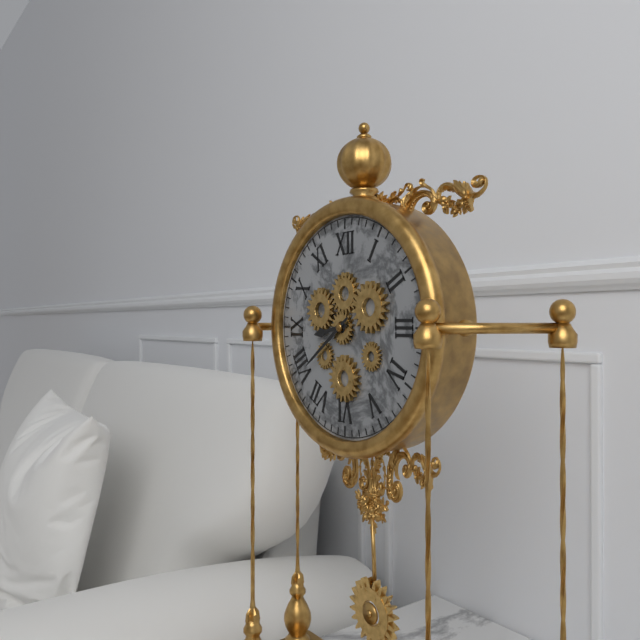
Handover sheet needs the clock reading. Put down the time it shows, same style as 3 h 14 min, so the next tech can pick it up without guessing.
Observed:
8 h 39 min
